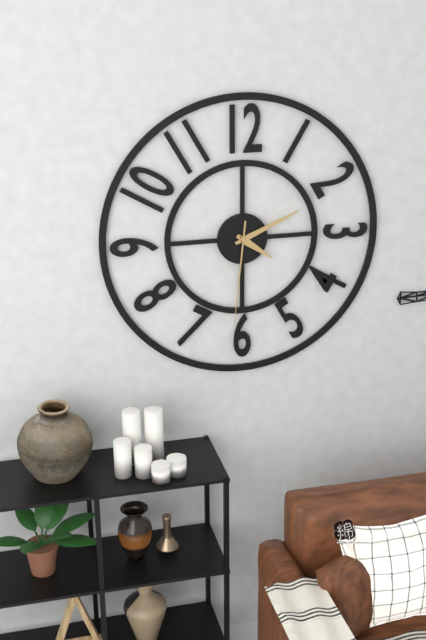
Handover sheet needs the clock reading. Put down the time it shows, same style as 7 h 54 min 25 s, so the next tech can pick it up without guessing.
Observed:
4 h 11 min 31 s
